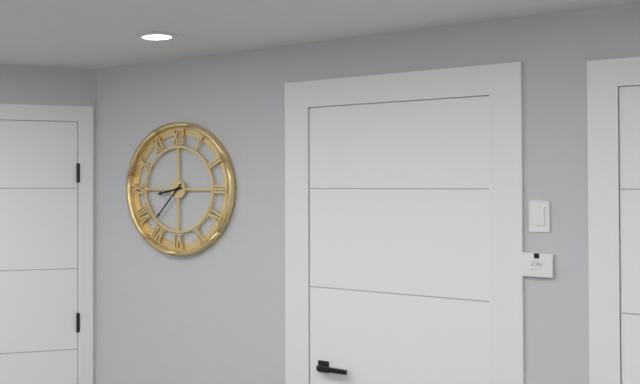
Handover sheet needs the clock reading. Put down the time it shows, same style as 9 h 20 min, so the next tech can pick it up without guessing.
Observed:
8 h 37 min
